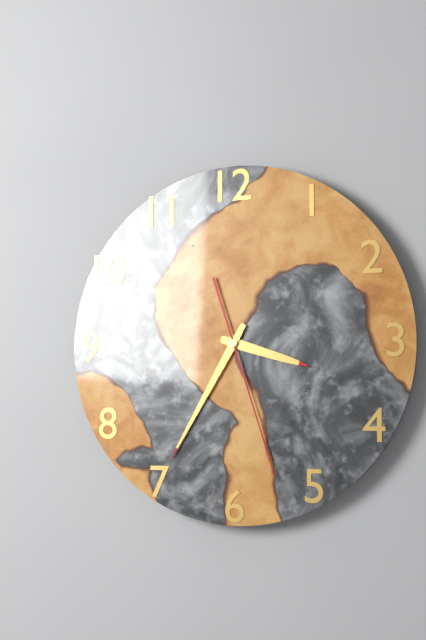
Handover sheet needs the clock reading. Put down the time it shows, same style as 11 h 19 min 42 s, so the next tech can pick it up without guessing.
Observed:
3 h 35 min 27 s
